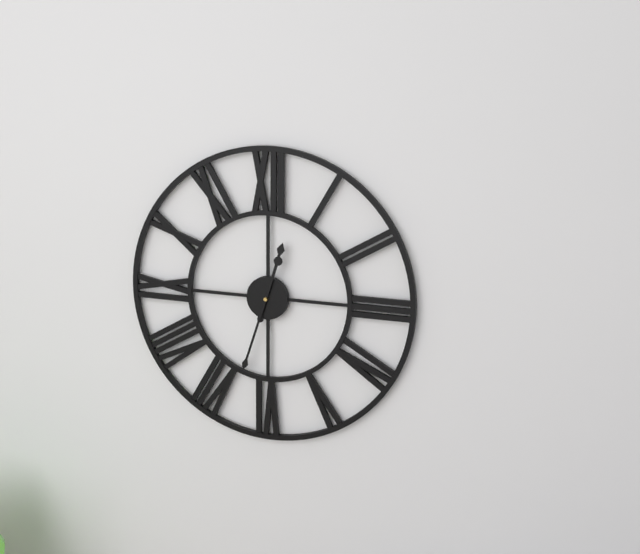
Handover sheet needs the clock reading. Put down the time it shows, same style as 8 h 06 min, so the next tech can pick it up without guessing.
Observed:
12 h 33 min
